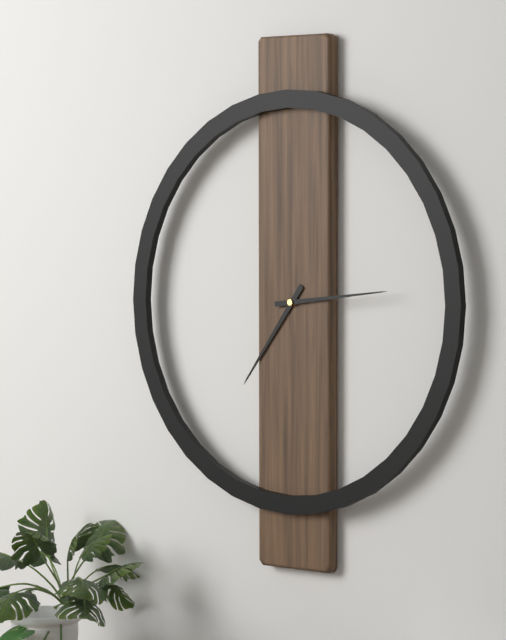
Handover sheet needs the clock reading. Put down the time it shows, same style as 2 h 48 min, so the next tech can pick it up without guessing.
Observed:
7 h 14 min
